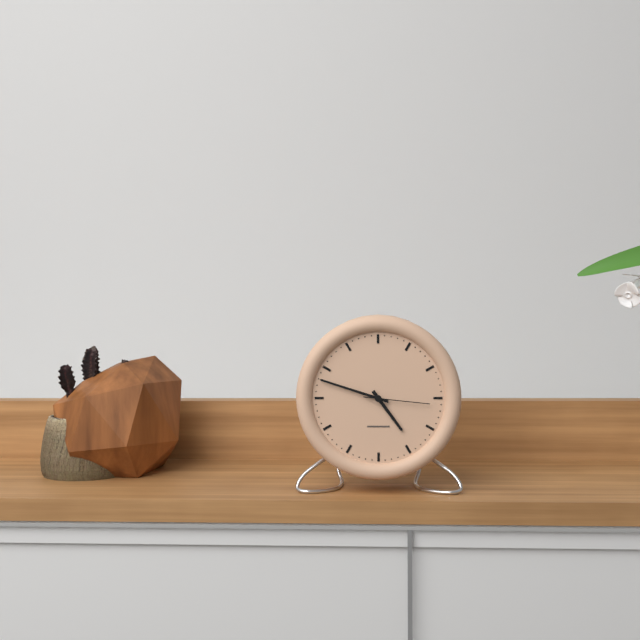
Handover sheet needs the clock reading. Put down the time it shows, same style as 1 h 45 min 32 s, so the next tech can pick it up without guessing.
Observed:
4 h 48 min 16 s
